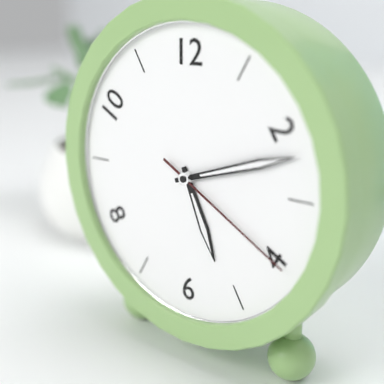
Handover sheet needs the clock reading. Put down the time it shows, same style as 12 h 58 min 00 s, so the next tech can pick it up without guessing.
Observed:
5 h 12 min 20 s
